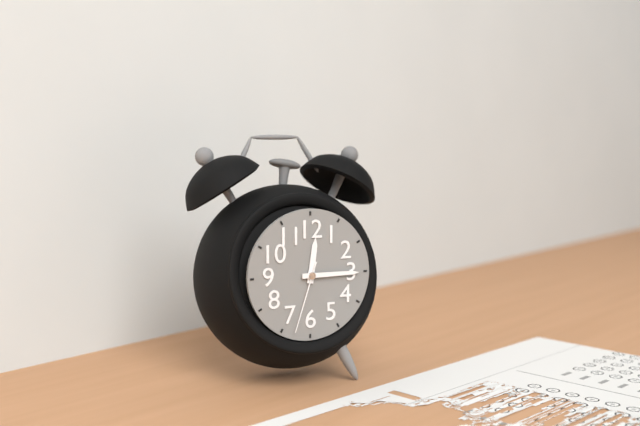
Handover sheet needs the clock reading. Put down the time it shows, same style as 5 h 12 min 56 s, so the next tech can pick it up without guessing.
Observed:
12 h 15 min 33 s
